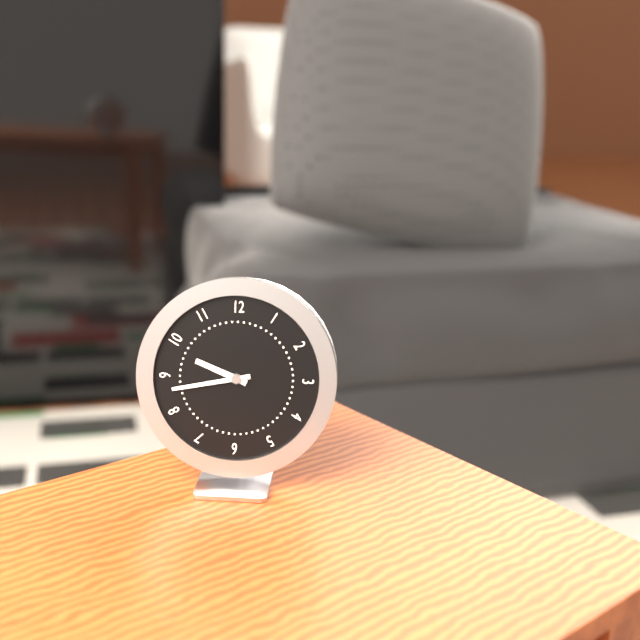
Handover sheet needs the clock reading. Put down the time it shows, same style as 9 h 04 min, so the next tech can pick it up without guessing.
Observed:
9 h 43 min
